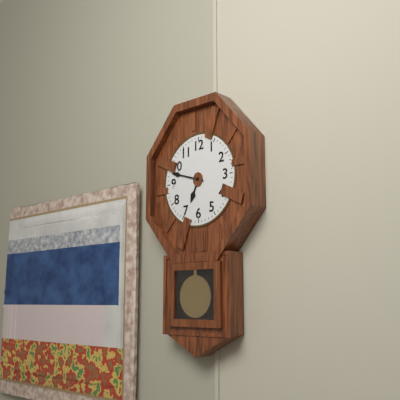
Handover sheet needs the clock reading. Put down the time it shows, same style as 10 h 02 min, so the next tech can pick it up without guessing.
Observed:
6 h 48 min
